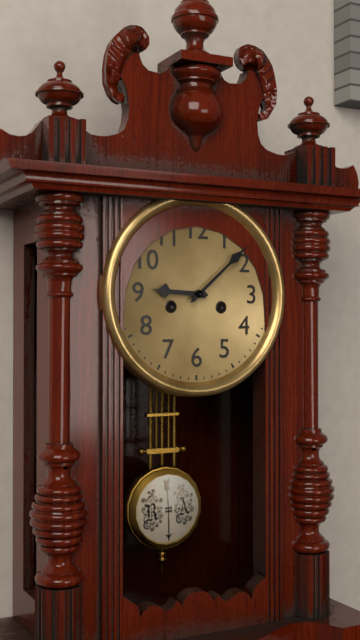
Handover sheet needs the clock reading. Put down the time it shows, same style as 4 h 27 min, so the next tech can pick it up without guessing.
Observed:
9 h 08 min
